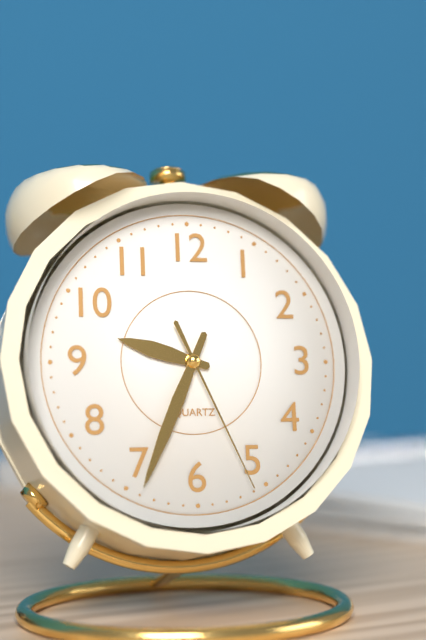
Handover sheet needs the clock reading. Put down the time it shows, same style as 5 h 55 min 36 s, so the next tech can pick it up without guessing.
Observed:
9 h 34 min 26 s
